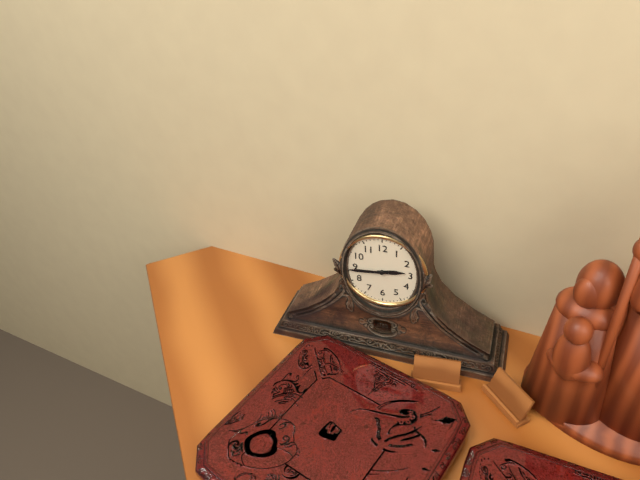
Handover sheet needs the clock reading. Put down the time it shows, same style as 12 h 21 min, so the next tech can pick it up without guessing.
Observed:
2 h 44 min
